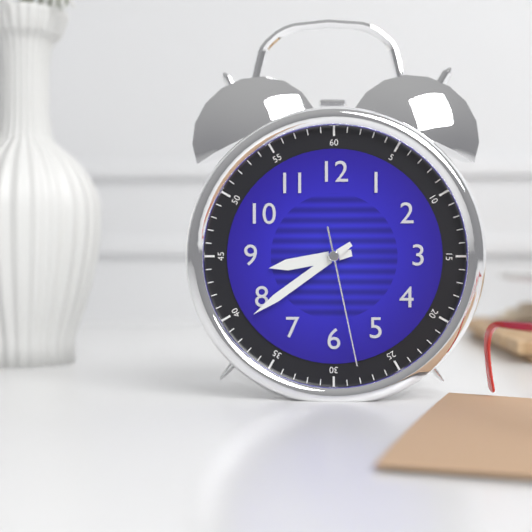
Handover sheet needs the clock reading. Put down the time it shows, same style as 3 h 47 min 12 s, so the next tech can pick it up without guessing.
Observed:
8 h 39 min 28 s
